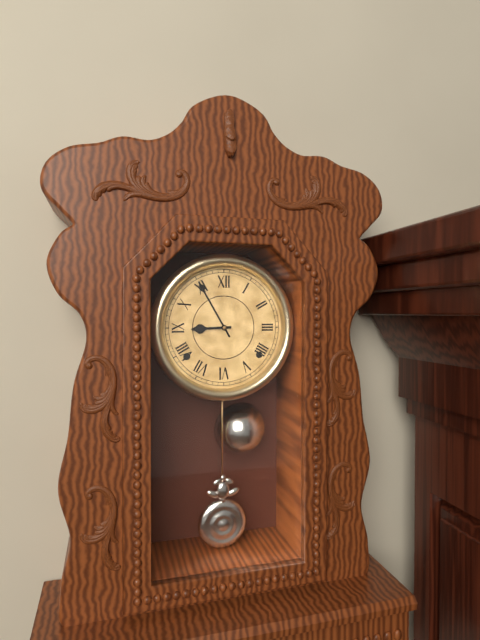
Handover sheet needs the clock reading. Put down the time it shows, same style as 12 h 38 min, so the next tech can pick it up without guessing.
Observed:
8 h 55 min
